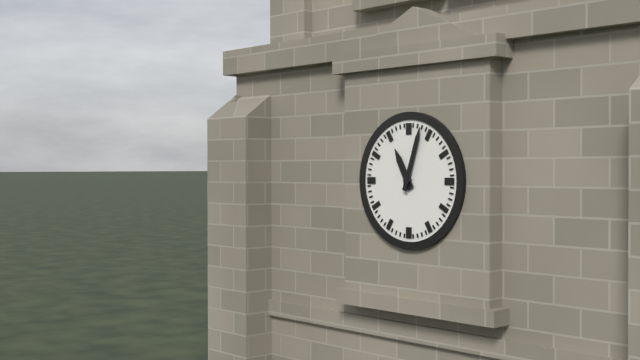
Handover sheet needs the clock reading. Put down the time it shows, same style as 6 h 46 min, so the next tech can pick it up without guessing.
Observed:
11 h 03 min
